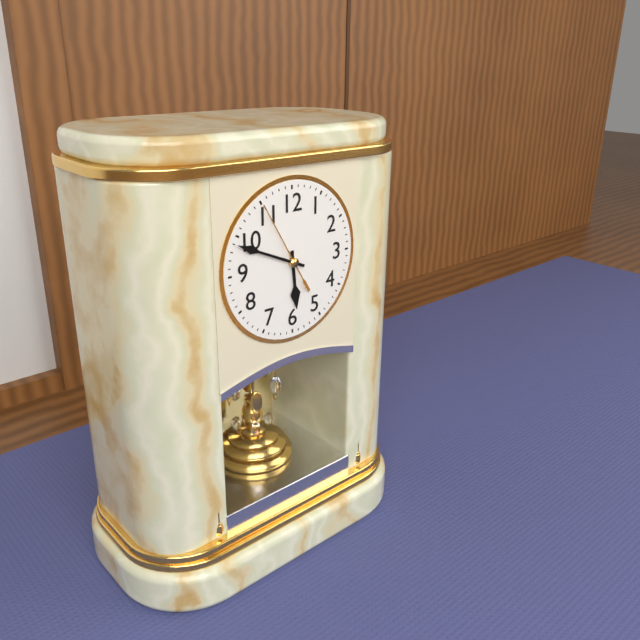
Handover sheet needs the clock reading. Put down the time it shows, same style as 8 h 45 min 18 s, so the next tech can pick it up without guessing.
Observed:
5 h 49 min 55 s
